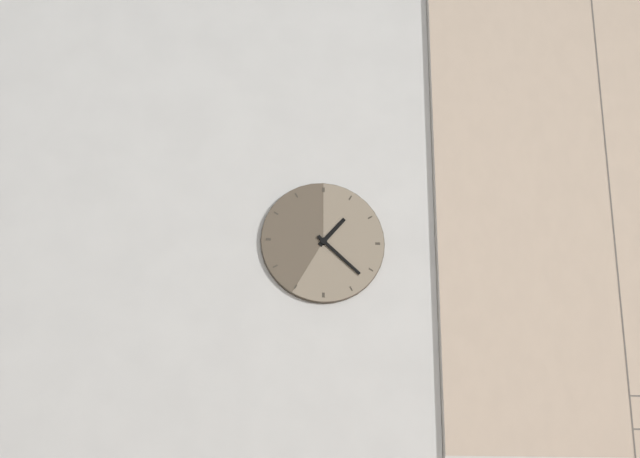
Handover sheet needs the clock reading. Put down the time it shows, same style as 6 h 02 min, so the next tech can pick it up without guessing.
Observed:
1 h 22 min
